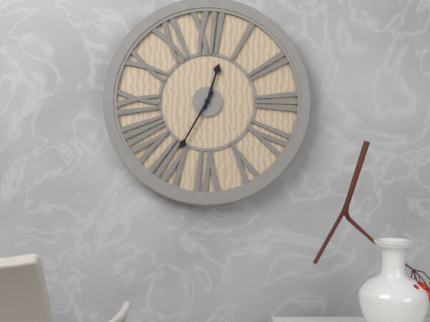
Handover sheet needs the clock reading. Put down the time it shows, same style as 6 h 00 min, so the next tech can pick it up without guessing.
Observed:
12 h 35 min
